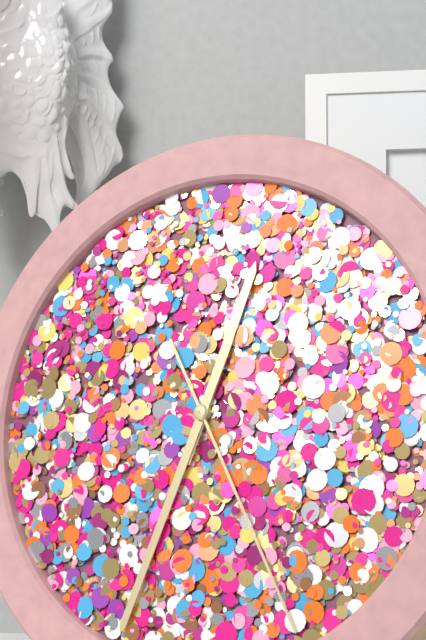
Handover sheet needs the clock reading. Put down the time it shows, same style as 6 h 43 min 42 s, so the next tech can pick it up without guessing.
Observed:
12 h 33 min 25 s
